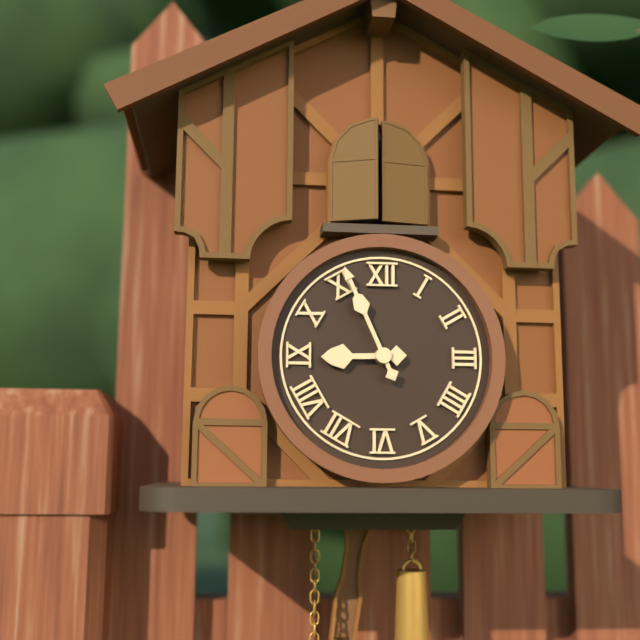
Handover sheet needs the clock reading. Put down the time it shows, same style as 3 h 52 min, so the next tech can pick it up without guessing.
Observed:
8 h 56 min
